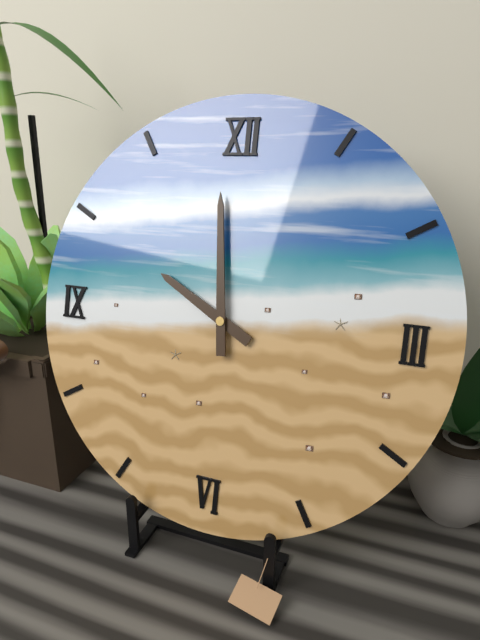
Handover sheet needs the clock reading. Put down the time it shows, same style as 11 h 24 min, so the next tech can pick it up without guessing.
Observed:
9 h 59 min
